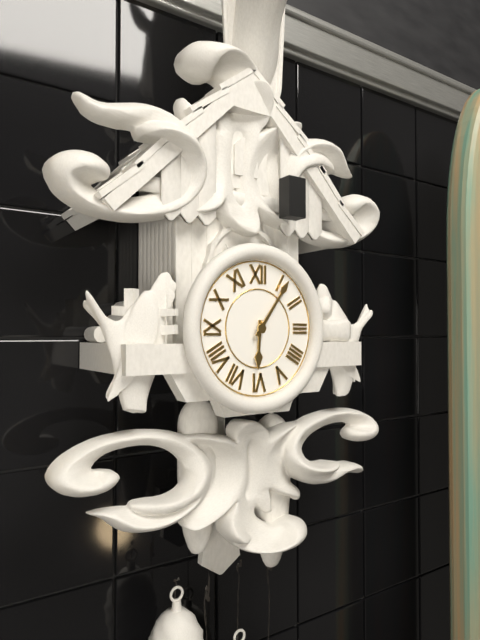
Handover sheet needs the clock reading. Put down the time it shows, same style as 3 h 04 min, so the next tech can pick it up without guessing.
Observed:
6 h 06 min
